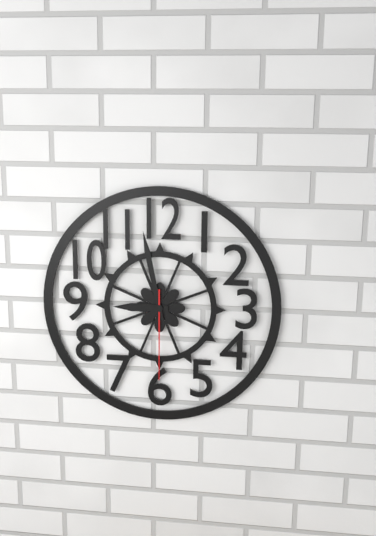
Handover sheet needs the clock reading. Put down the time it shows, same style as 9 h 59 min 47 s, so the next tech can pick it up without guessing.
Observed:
8 h 58 min 30 s
